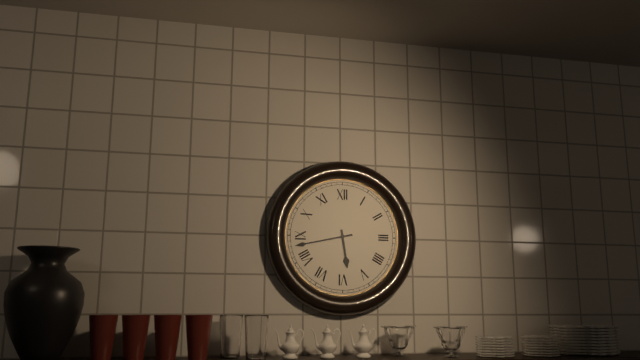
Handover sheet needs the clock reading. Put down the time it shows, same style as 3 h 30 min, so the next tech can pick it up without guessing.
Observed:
5 h 43 min
